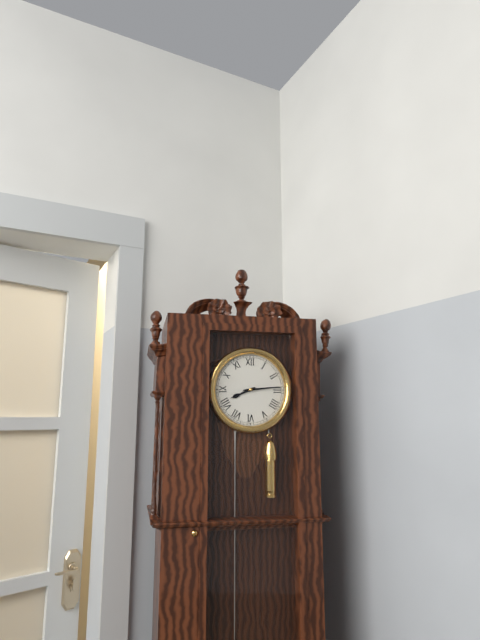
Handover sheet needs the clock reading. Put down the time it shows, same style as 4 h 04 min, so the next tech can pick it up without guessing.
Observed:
8 h 14 min
